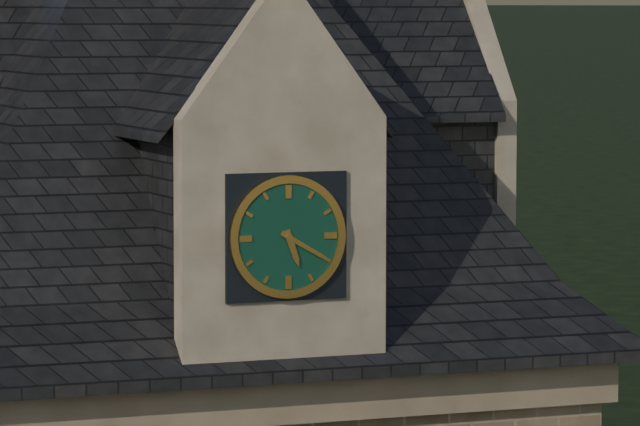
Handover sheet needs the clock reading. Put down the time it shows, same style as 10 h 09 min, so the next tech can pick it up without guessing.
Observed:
5 h 20 min
